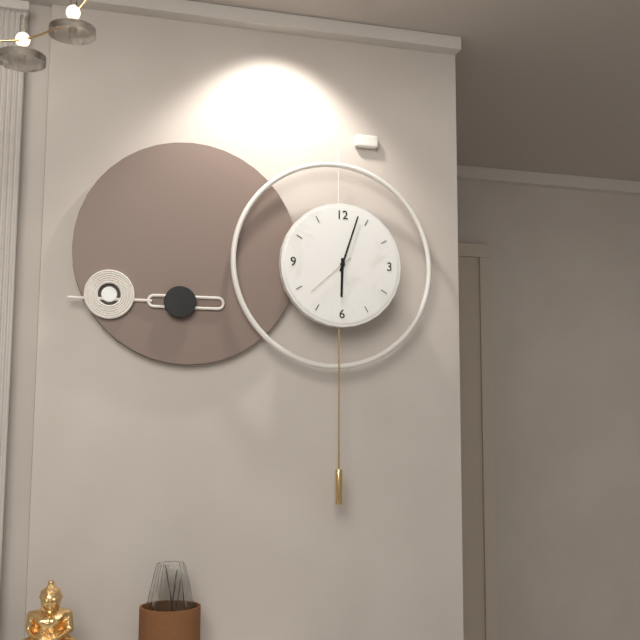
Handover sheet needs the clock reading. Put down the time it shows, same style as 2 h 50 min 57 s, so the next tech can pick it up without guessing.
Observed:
6 h 03 min 38 s
